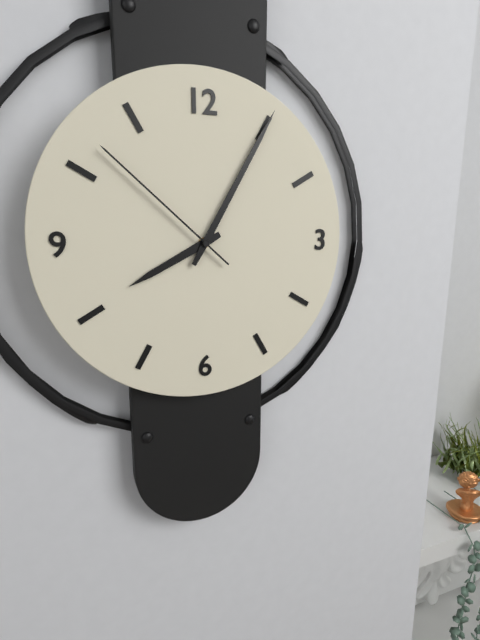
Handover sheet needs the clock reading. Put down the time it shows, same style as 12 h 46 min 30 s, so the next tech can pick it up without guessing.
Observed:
8 h 05 min 52 s
